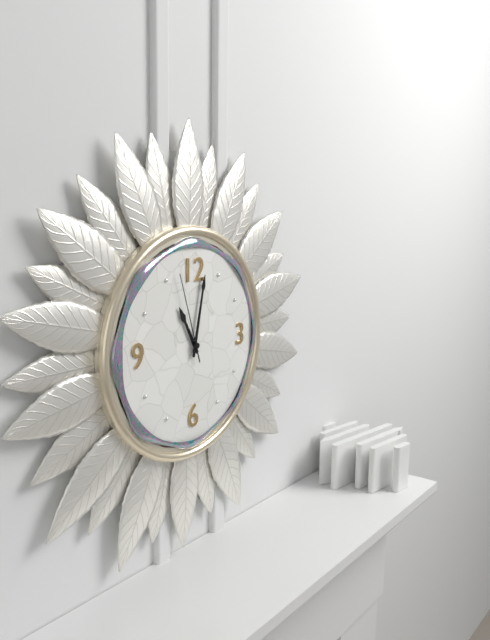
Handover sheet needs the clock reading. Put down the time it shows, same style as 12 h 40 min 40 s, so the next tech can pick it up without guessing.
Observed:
11 h 02 min 57 s
